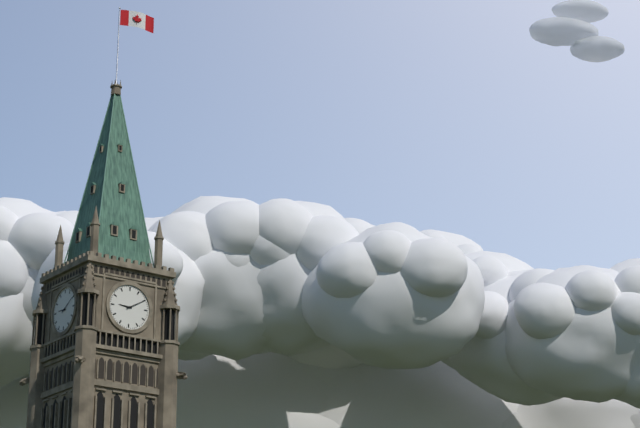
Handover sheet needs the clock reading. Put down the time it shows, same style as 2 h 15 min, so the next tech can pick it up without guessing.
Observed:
9 h 10 min
